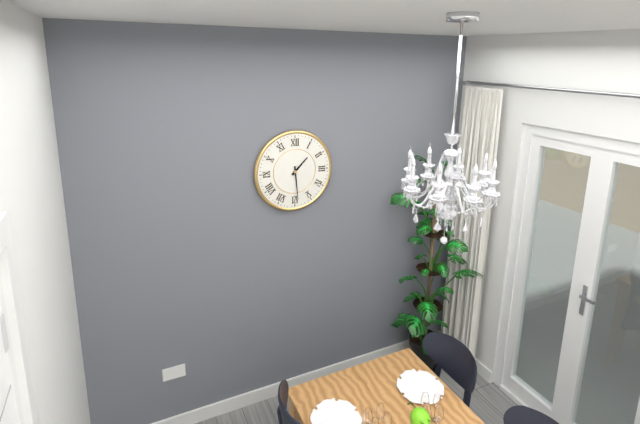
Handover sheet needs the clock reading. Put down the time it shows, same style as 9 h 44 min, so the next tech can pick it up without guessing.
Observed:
1 h 29 min
